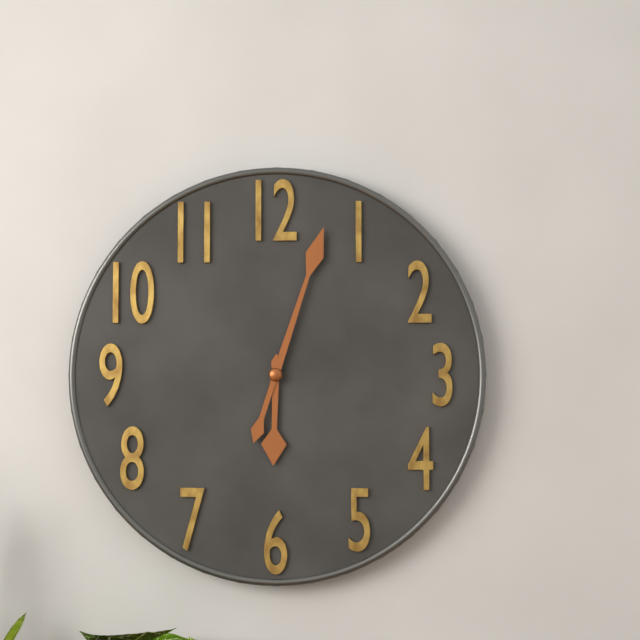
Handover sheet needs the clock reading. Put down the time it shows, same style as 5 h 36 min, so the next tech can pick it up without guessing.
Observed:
6 h 03 min
